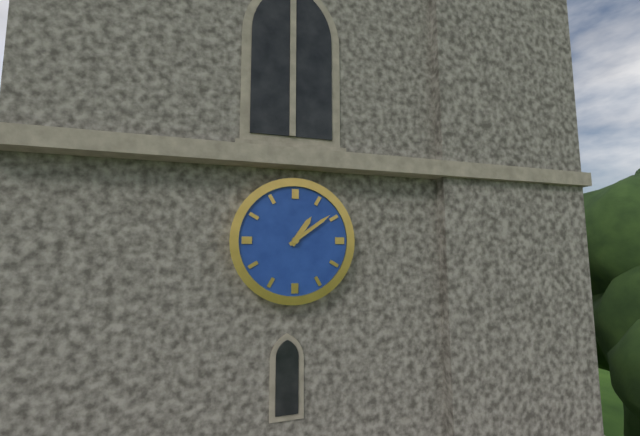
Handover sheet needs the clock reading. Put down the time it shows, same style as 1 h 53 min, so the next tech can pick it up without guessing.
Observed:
1 h 09 min
